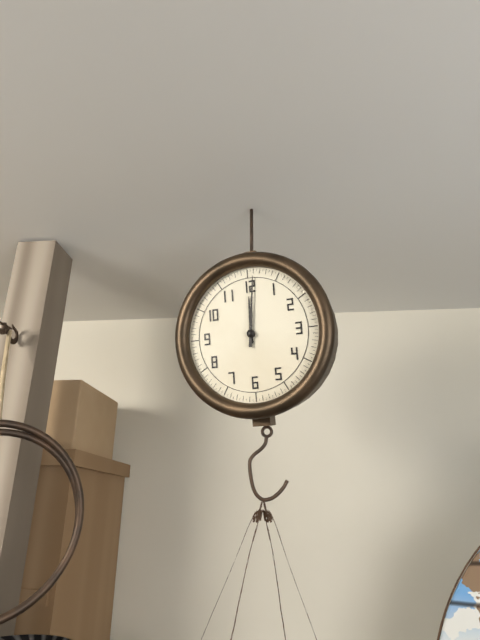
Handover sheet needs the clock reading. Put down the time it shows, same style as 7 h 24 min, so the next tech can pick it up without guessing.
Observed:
12 h 01 min
